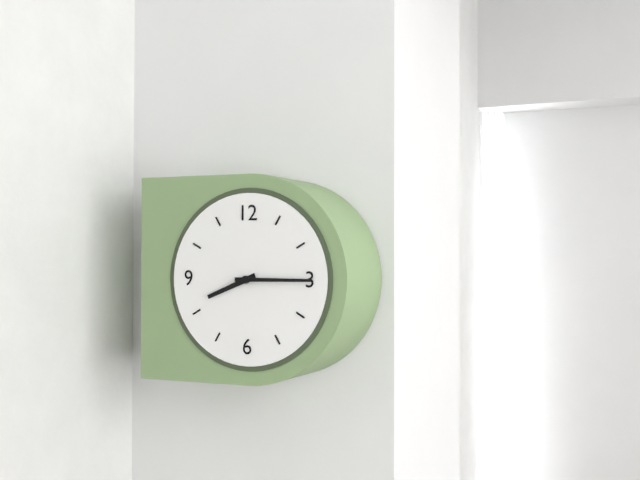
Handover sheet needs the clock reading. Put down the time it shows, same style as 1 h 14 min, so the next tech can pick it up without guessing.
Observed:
8 h 15 min
